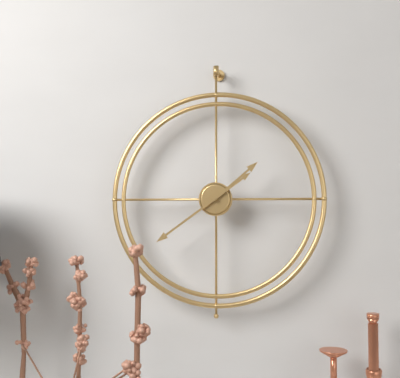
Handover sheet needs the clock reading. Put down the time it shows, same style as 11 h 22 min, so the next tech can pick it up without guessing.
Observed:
1 h 39 min
